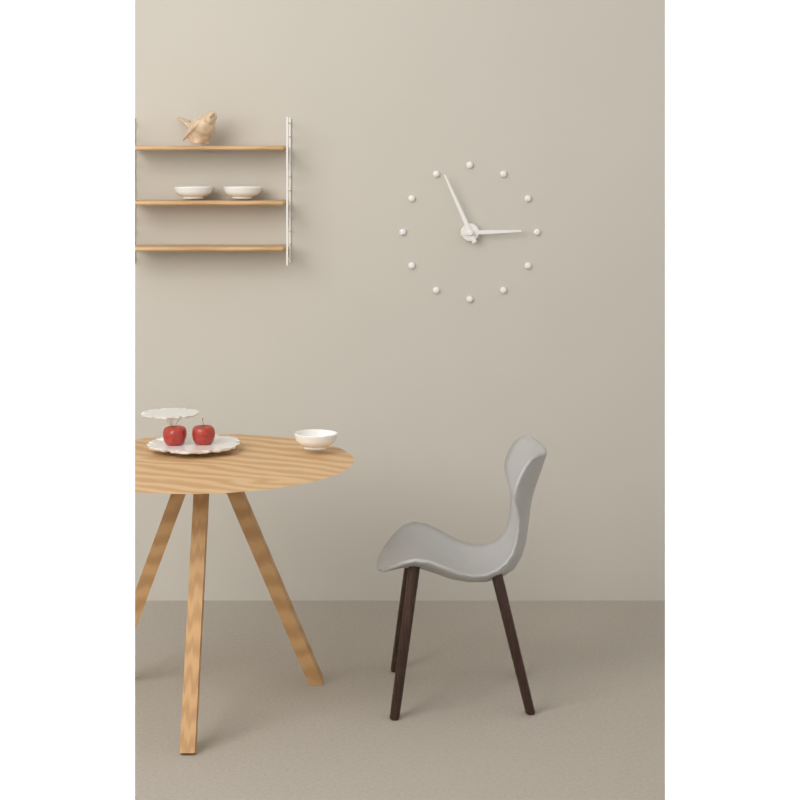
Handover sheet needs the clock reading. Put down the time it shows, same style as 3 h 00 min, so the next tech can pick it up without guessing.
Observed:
2 h 56 min
